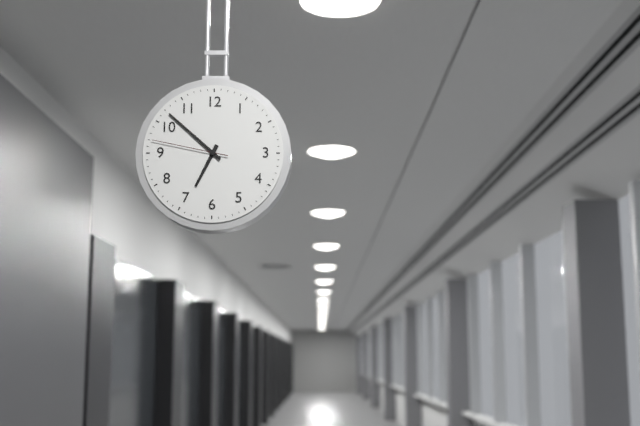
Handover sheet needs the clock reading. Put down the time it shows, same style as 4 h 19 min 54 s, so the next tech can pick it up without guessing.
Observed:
6 h 52 min 47 s
